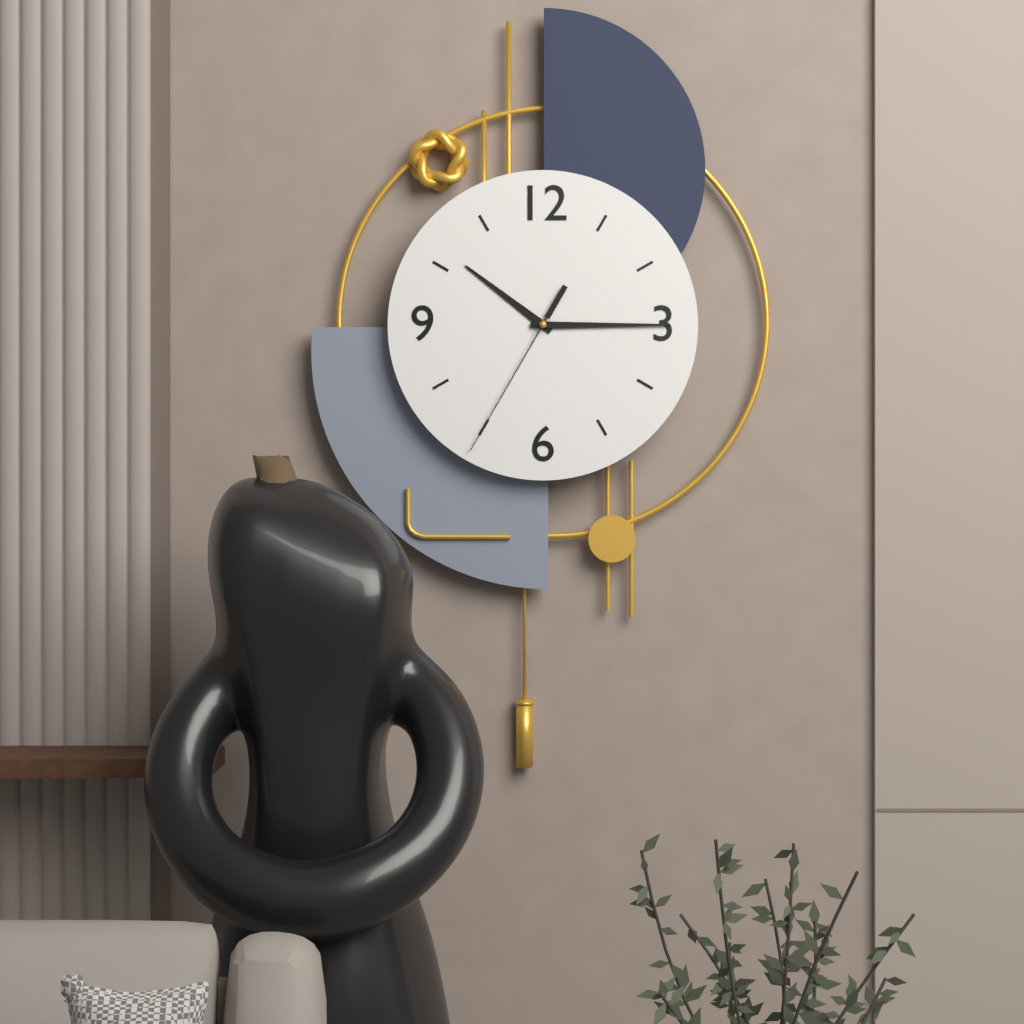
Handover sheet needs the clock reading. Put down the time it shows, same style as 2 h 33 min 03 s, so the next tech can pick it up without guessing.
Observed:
10 h 15 min 35 s
